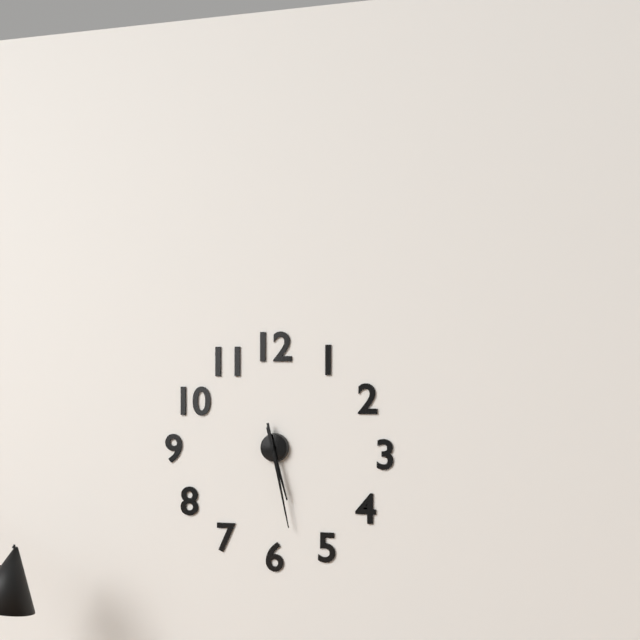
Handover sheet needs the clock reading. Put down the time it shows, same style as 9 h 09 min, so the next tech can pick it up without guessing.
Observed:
5 h 28 min
